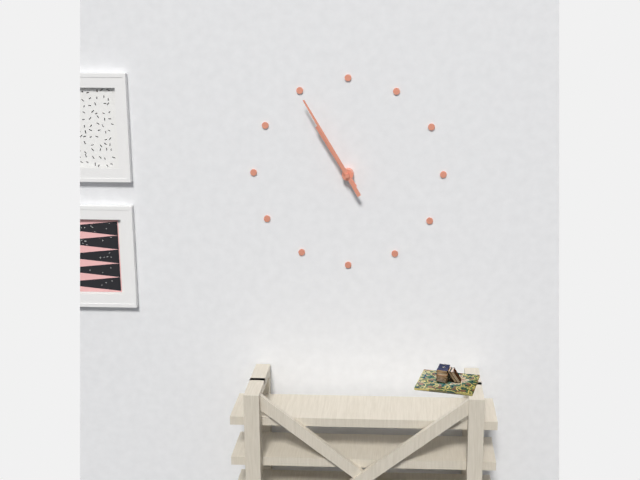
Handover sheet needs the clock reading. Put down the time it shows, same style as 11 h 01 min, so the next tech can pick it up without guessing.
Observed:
10 h 55 min
